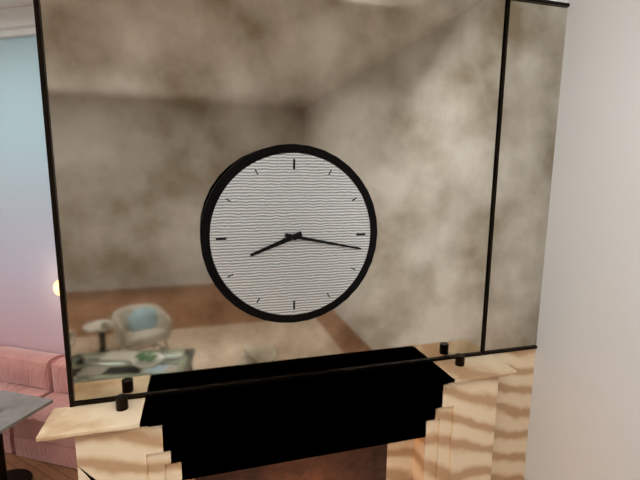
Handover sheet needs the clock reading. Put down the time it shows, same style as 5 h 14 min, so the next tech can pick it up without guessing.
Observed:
8 h 17 min
